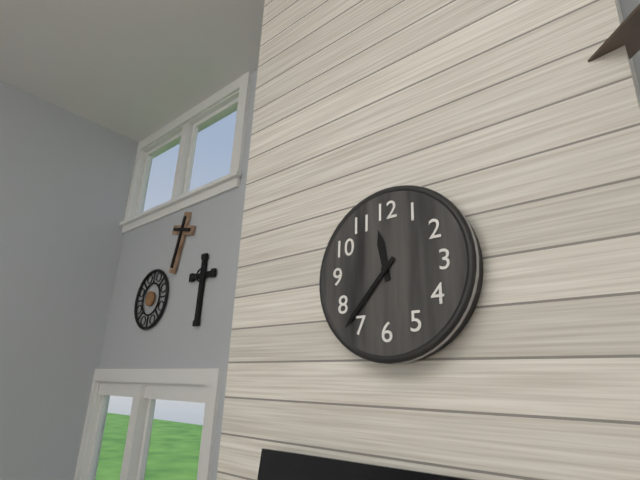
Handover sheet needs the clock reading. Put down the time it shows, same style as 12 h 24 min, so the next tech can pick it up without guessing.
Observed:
11 h 37 min
